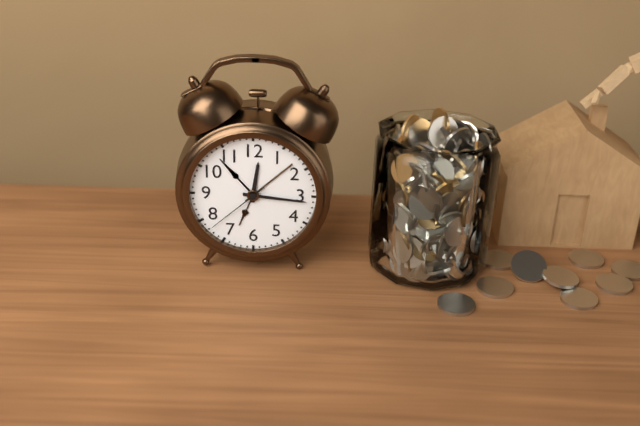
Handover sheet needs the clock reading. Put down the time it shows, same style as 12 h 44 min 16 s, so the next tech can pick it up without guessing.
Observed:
12 h 16 min 38 s
